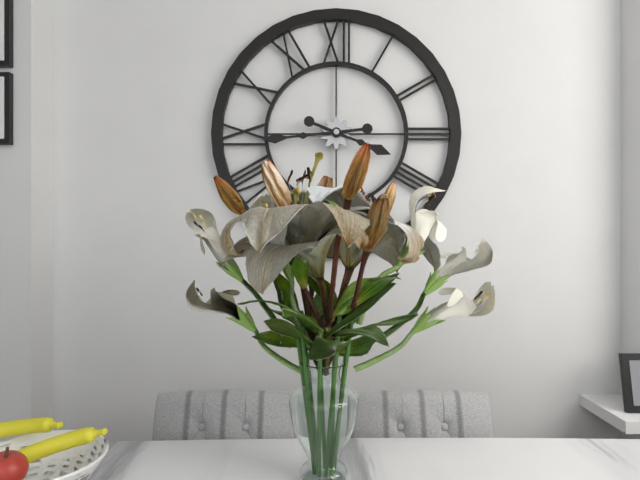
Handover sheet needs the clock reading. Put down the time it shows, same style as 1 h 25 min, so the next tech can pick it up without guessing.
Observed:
3 h 44 min
